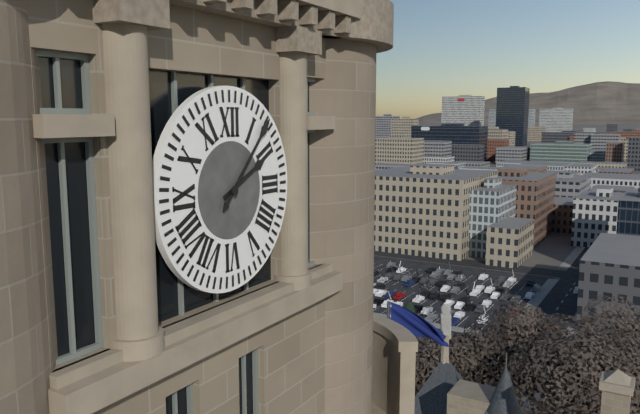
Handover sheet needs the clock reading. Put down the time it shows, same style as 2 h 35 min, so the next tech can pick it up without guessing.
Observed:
2 h 07 min
